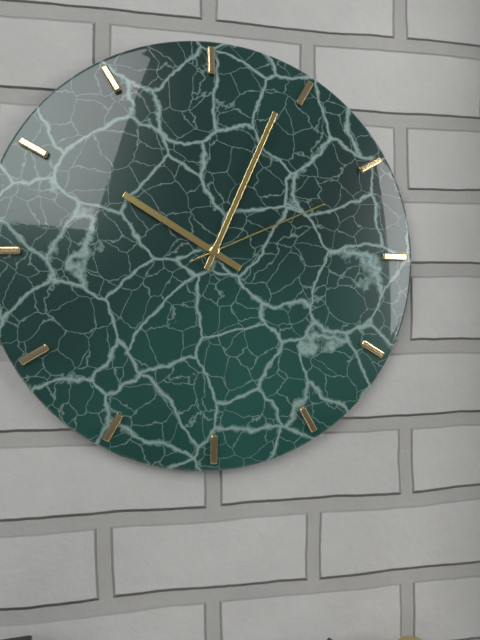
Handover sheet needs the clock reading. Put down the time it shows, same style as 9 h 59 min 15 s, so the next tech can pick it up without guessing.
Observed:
10 h 04 min 11 s
